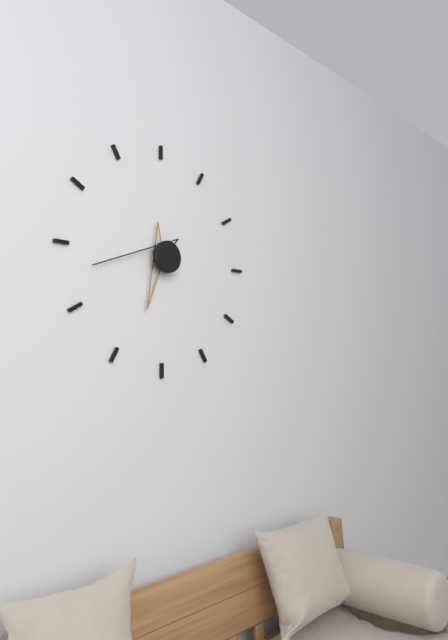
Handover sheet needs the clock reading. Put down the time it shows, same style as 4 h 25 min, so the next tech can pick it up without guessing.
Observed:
6 h 43 min
